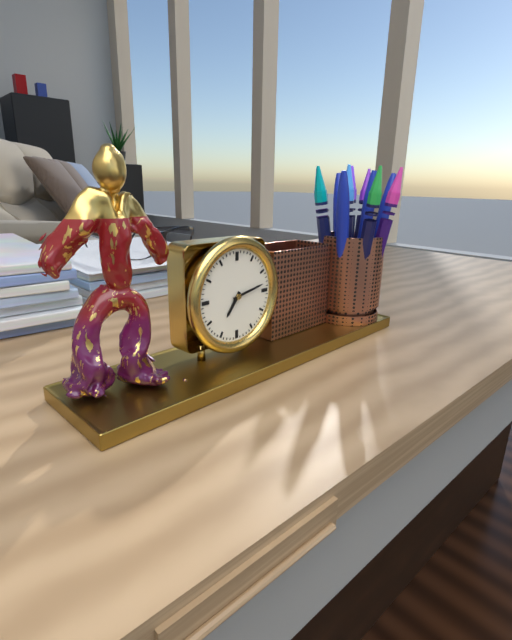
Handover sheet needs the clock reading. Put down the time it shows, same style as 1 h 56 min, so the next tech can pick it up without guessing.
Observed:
7 h 13 min
